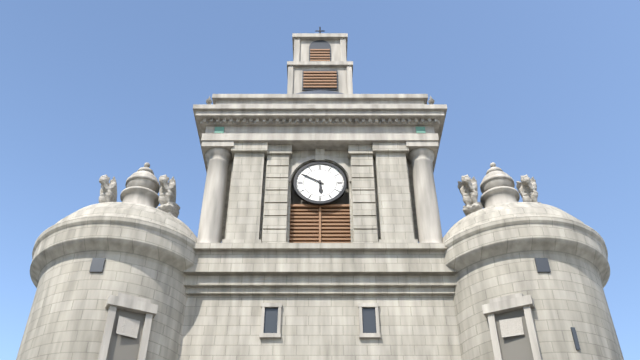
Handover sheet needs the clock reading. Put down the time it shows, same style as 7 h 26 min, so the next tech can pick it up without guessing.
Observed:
5 h 50 min
